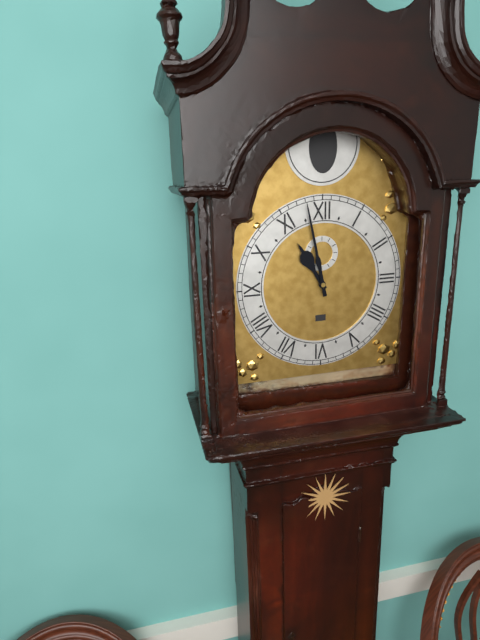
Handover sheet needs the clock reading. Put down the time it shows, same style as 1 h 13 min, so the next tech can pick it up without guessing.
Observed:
10 h 58 min
